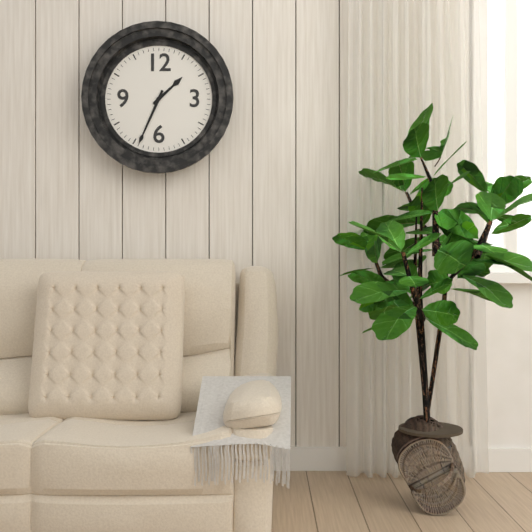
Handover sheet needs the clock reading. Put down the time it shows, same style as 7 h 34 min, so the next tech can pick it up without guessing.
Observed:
1 h 34 min
